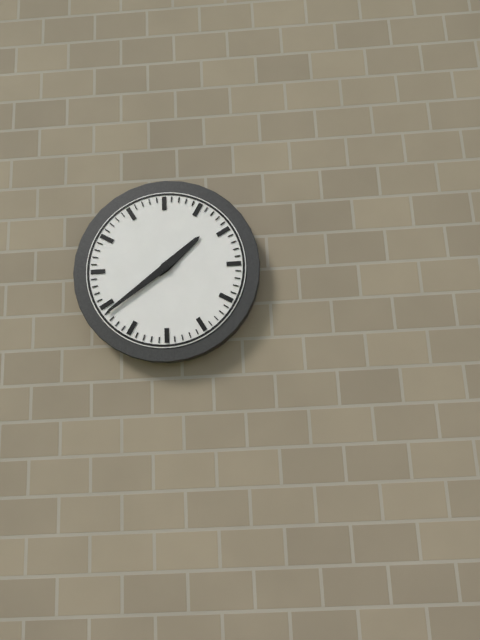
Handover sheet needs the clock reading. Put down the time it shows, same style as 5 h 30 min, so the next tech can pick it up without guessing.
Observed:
1 h 39 min
